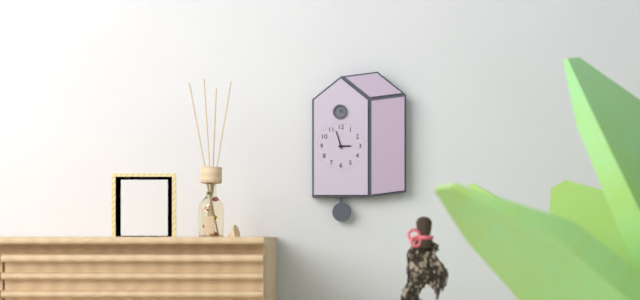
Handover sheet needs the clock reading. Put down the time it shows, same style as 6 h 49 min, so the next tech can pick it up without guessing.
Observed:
2 h 57 min
